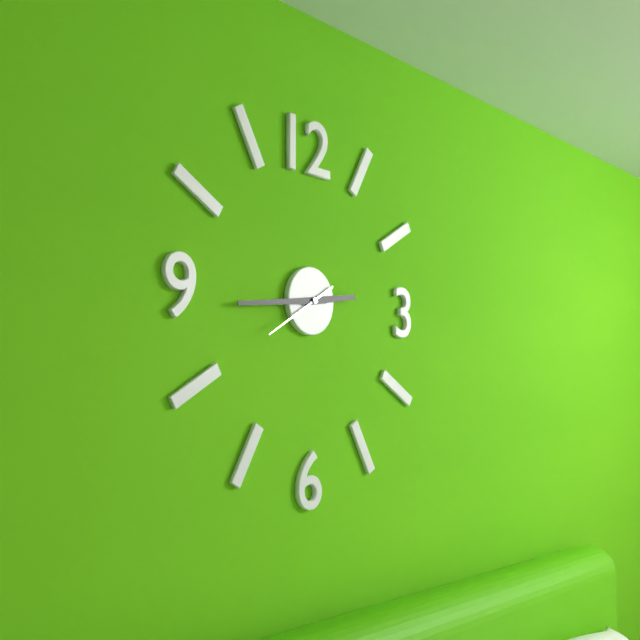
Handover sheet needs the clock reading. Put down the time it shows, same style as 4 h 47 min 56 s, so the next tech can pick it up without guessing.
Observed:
2 h 44 min 40 s
